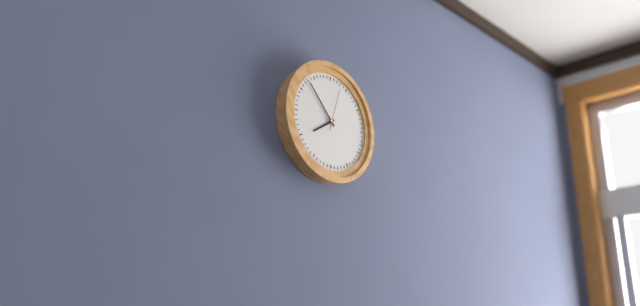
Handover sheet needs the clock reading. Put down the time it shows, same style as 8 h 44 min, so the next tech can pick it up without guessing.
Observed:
7 h 53 min
